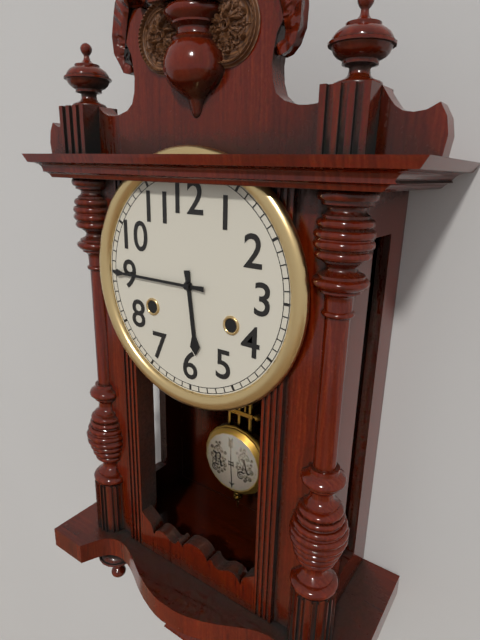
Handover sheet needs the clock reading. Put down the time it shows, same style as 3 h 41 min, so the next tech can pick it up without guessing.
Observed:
5 h 45 min
